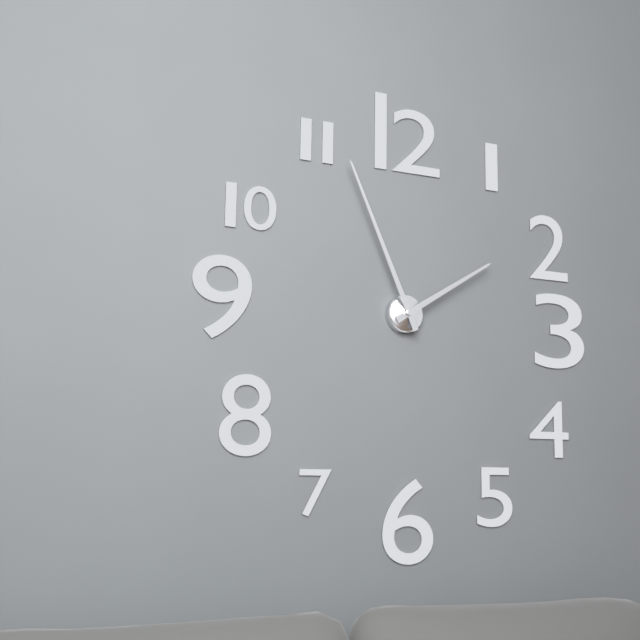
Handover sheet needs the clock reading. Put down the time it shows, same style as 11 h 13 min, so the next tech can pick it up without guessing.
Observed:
1 h 56 min
